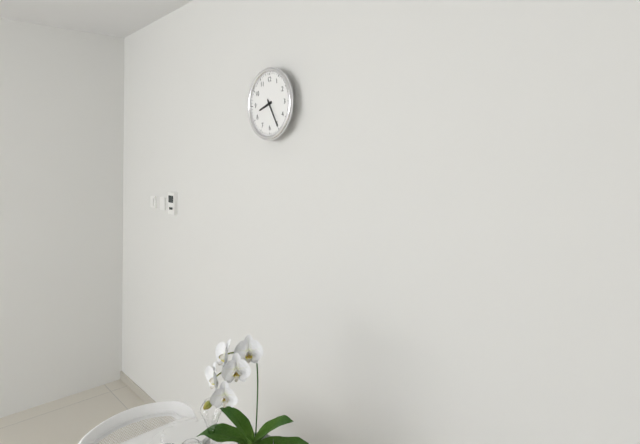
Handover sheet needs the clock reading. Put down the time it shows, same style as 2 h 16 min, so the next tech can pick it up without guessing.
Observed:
8 h 25 min
